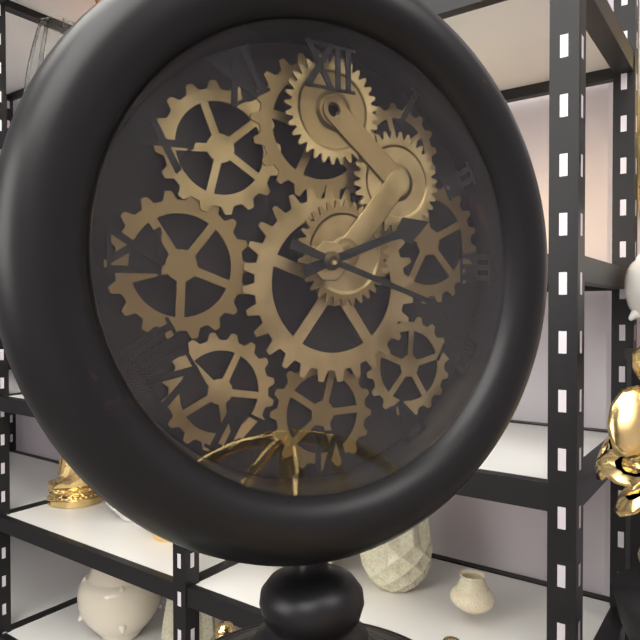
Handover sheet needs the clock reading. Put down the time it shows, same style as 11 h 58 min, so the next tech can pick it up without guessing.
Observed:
2 h 18 min
